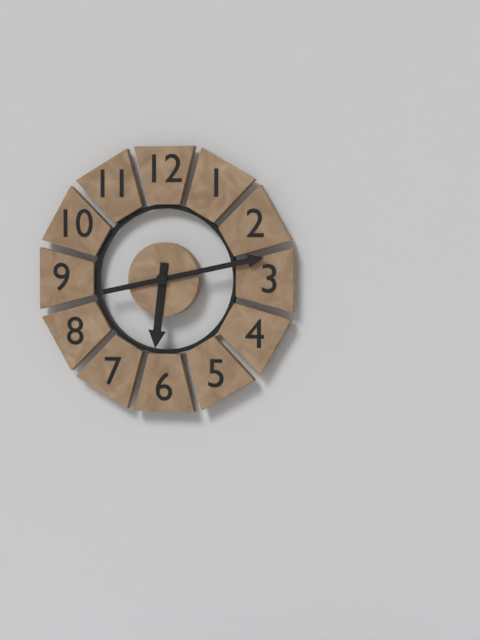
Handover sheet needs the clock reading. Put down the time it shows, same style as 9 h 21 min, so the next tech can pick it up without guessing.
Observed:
6 h 13 min
